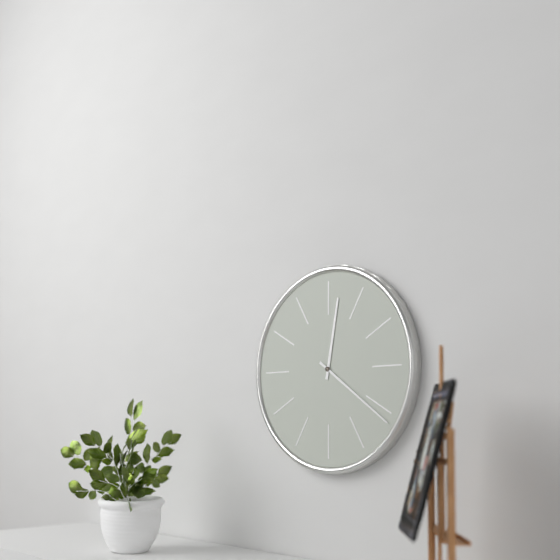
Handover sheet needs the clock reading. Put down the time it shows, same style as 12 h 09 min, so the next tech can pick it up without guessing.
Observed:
12 h 21 min
